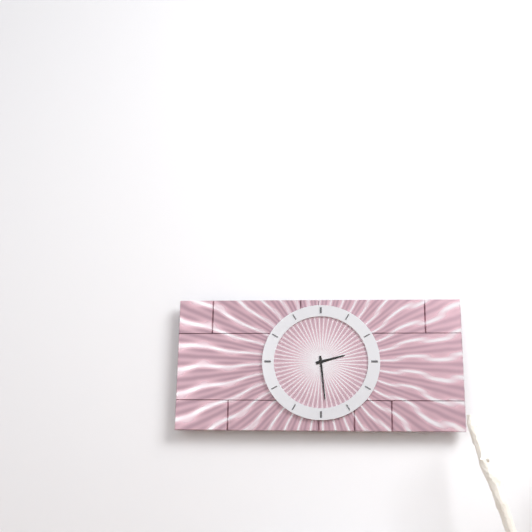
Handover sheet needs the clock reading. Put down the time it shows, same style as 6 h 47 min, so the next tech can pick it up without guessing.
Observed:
2 h 29 min
